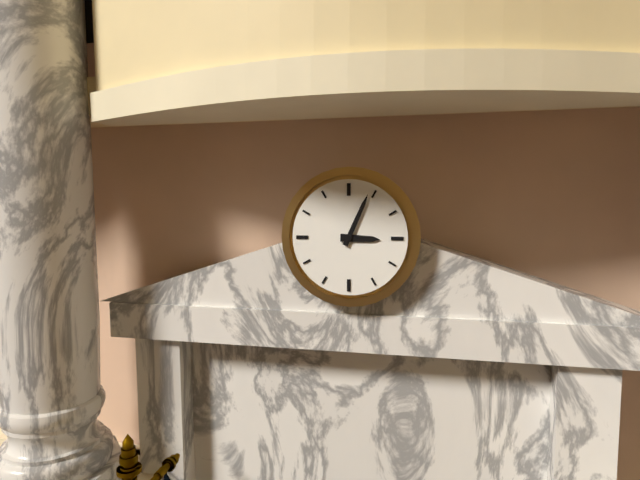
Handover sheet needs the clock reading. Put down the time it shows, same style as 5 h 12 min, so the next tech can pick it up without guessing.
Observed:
3 h 04 min
